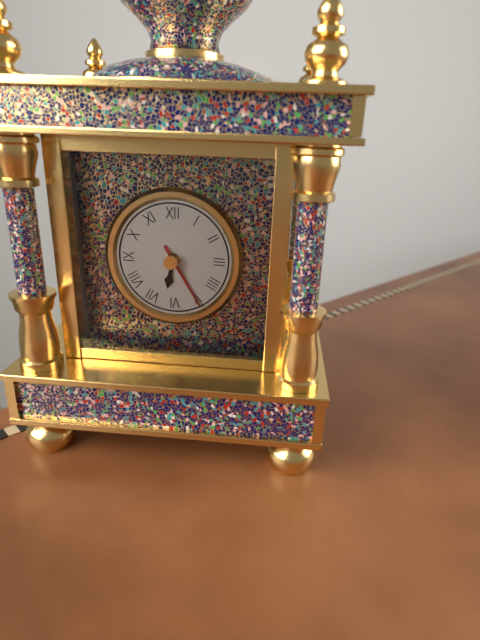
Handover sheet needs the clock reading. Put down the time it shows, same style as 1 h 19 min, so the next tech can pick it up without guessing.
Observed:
6 h 25 min
